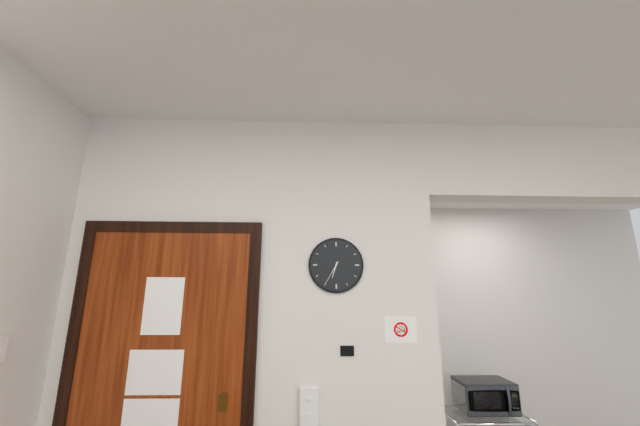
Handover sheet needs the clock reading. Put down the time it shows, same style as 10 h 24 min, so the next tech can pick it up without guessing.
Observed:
6 h 35 min
